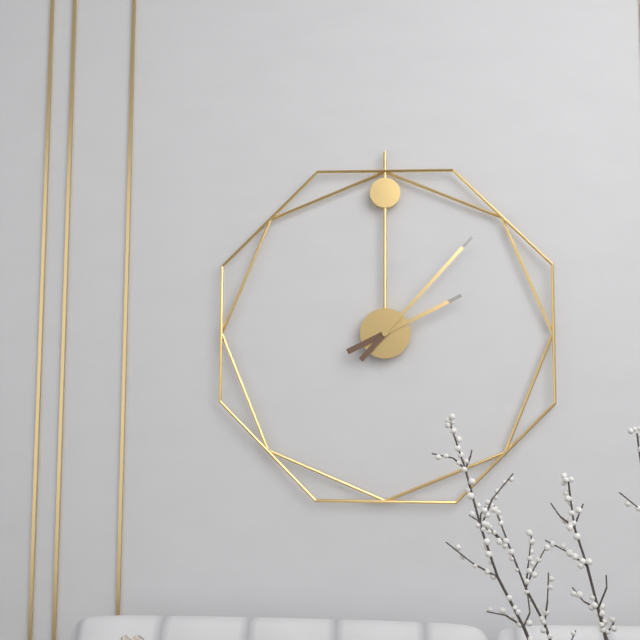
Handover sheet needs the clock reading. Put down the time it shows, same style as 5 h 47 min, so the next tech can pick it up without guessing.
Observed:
2 h 07 min
